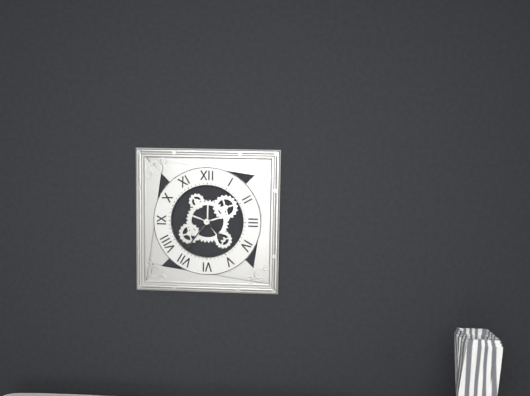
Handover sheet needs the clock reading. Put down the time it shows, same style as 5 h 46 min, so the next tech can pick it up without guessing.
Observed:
4 h 36 min
